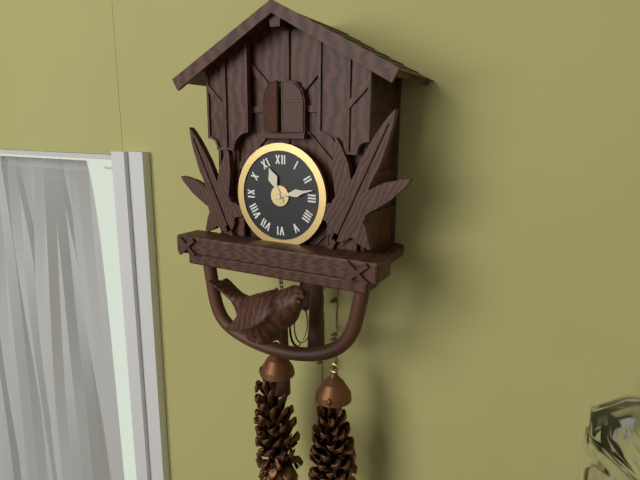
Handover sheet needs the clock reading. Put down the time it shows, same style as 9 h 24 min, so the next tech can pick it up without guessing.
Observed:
11 h 13 min
